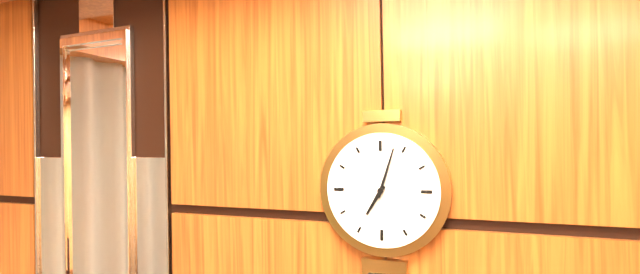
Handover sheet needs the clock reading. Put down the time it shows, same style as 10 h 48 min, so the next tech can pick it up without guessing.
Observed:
7 h 03 min
